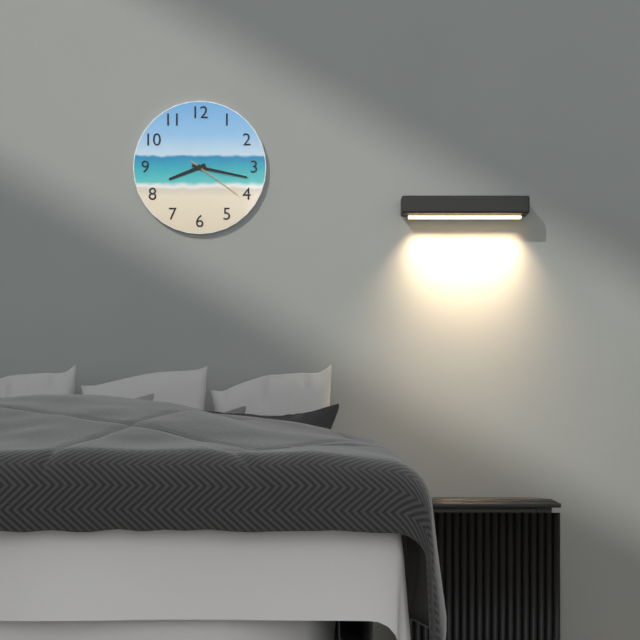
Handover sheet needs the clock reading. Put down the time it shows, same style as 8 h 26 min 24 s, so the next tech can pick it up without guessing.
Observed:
8 h 17 min 21 s
